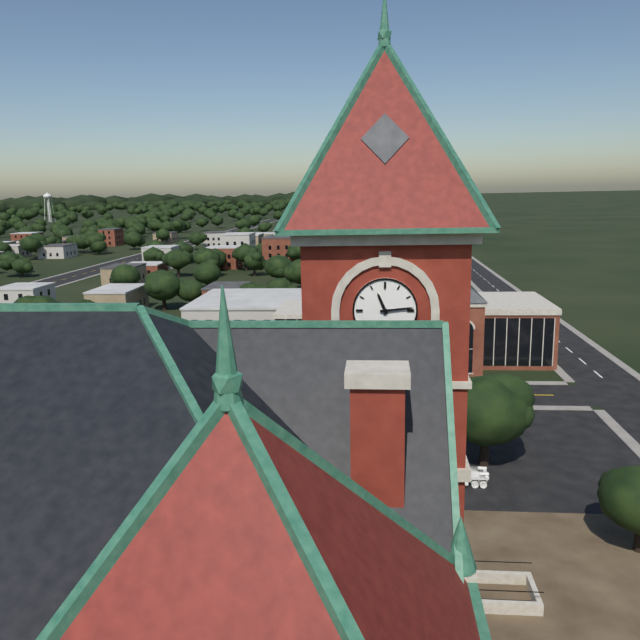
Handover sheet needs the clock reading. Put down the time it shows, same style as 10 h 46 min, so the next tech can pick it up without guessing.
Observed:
11 h 14 min
